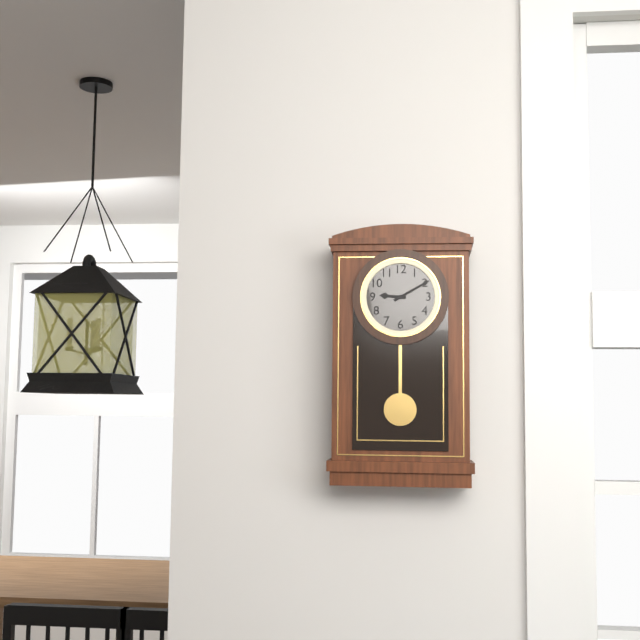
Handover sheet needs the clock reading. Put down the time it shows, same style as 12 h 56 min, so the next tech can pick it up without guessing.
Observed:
9 h 10 min
